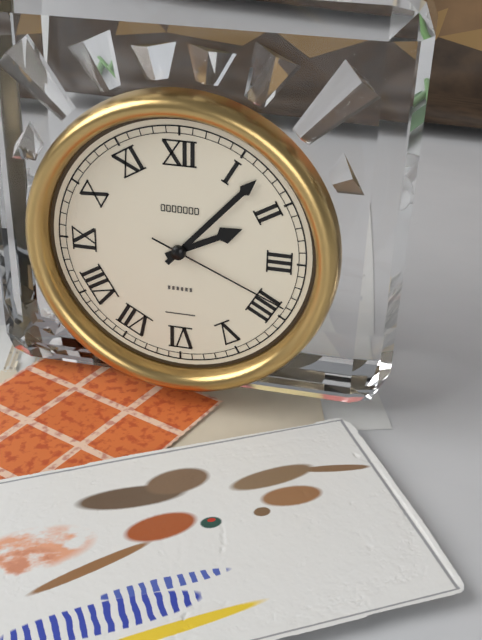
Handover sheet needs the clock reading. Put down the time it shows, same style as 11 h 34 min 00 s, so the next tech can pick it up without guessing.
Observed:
2 h 07 min 19 s
